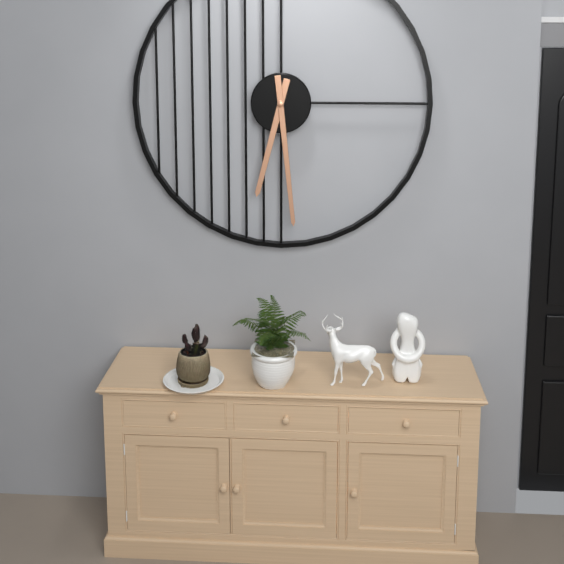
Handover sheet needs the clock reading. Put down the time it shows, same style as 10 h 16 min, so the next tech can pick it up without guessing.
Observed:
6 h 29 min
